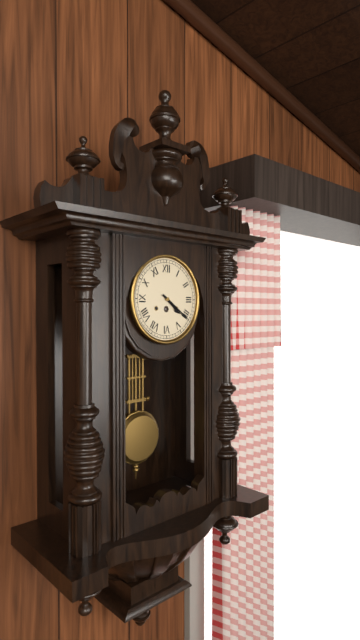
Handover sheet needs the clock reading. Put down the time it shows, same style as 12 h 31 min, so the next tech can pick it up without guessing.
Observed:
4 h 21 min
